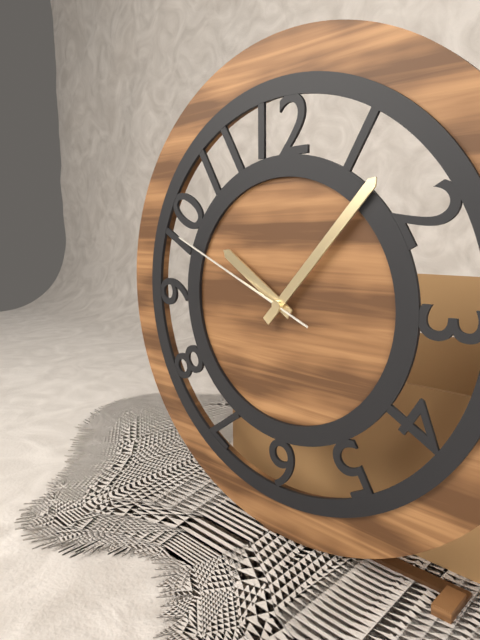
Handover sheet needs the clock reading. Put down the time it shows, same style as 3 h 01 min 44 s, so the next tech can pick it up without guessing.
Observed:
10 h 07 min 49 s
